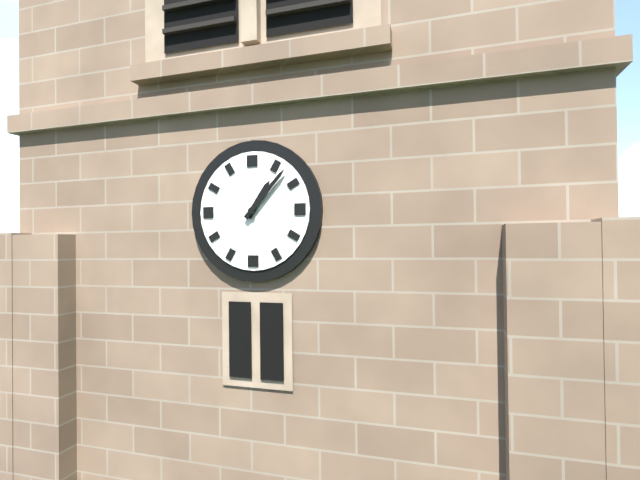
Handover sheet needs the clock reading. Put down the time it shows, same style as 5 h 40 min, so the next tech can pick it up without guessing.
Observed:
1 h 07 min
